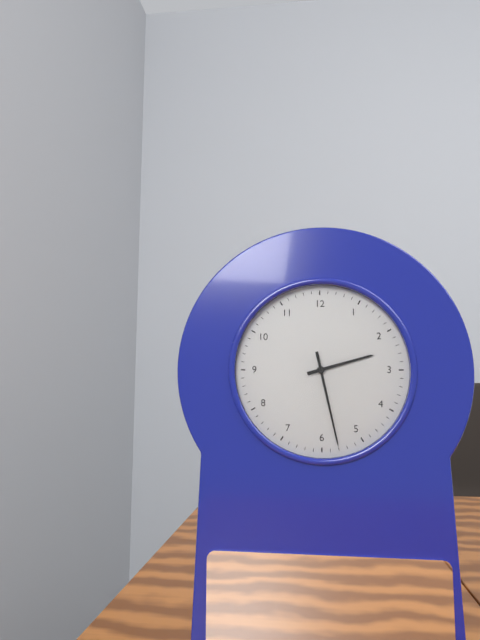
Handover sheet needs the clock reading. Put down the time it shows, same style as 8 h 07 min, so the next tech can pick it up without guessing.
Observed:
2 h 28 min
